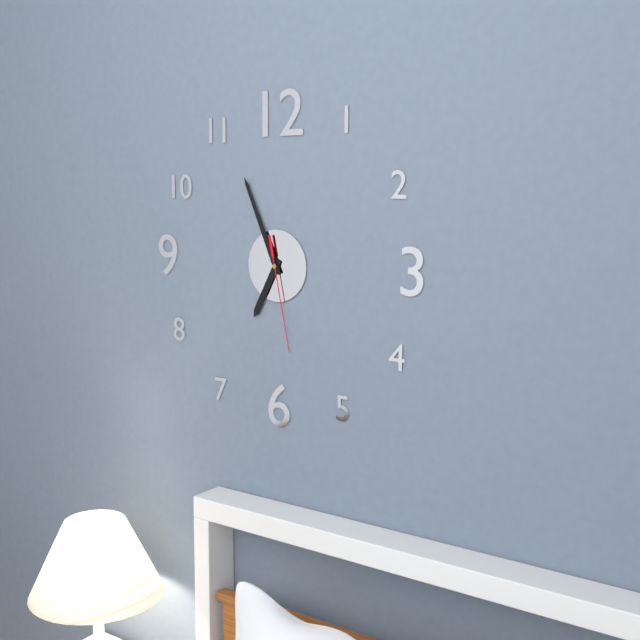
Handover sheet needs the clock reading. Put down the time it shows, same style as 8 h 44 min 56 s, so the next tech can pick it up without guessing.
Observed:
6 h 56 min 28 s
